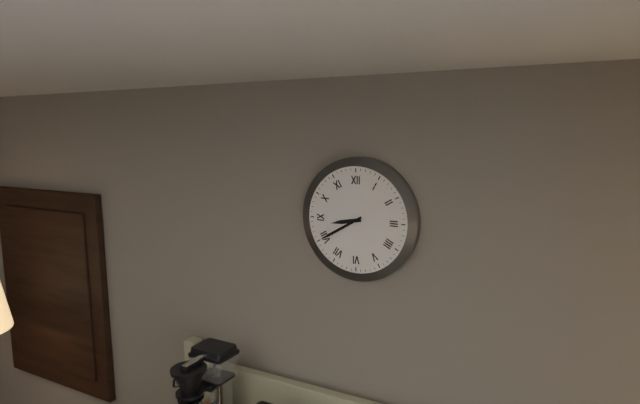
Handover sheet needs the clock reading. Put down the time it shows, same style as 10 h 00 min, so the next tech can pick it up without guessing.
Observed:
8 h 40 min
